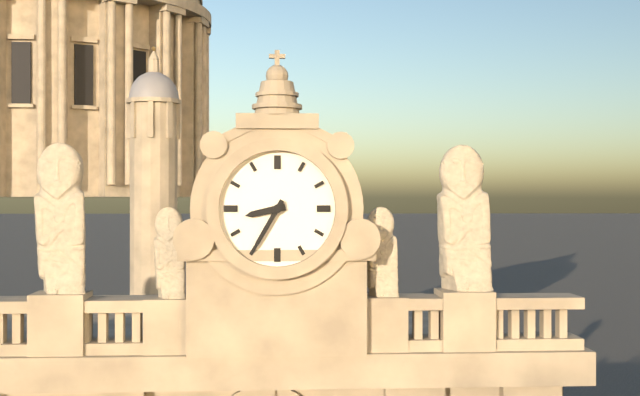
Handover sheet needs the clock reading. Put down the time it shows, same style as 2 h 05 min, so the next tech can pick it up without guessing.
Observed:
8 h 35 min
